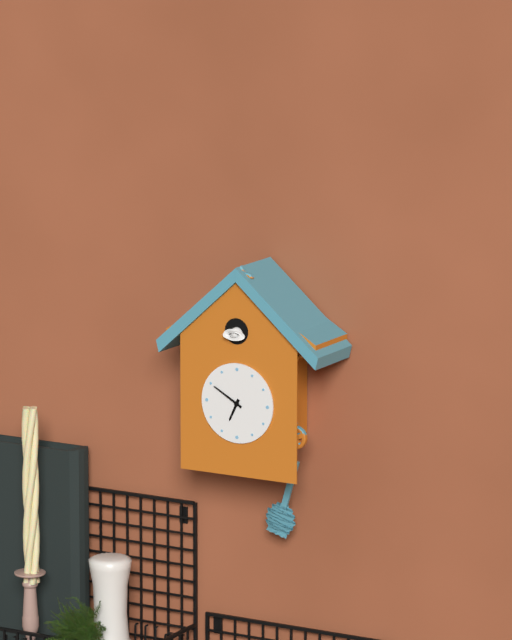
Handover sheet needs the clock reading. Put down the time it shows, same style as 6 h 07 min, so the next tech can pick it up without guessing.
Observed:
6 h 50 min
